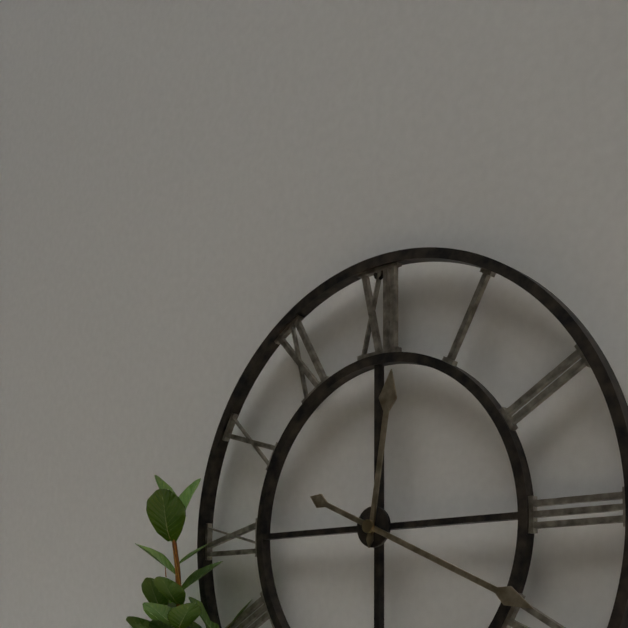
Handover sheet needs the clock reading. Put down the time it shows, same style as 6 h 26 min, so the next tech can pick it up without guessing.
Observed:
12 h 19 min
